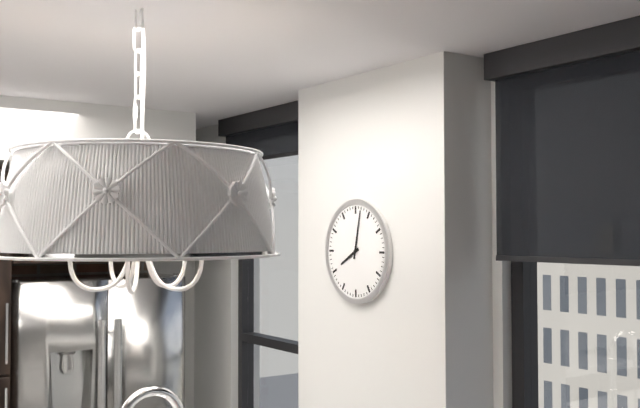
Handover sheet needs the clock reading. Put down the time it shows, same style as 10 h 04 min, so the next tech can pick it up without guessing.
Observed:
8 h 02 min
